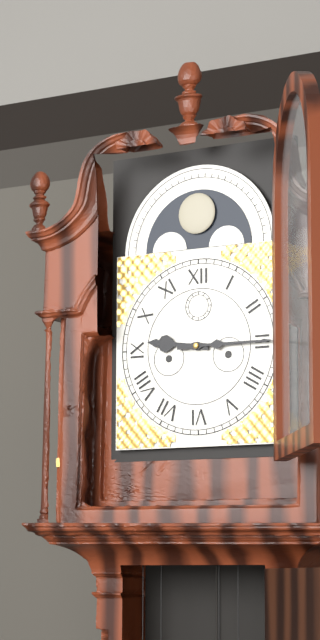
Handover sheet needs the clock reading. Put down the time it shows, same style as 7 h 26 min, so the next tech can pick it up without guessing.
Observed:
9 h 15 min
